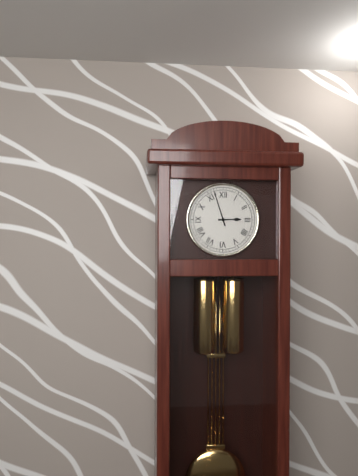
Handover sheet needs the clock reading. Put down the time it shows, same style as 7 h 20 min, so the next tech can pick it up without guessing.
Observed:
2 h 57 min
